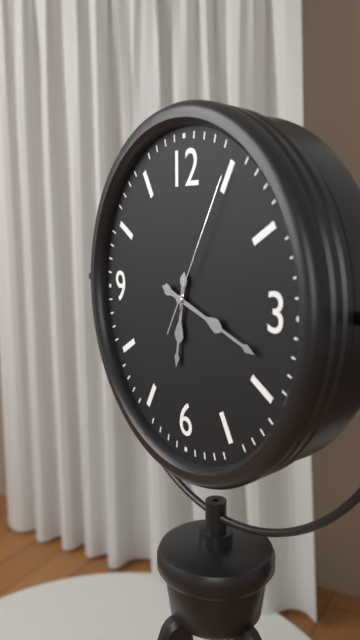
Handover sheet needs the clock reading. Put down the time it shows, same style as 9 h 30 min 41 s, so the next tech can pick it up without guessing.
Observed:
6 h 18 min 05 s
